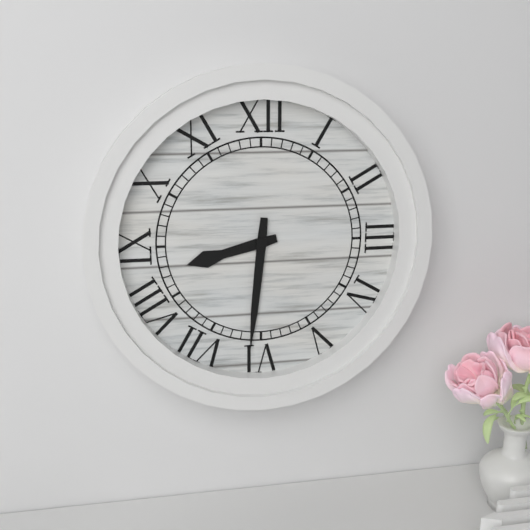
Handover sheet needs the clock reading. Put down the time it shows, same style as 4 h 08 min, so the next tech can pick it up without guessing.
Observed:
8 h 31 min
